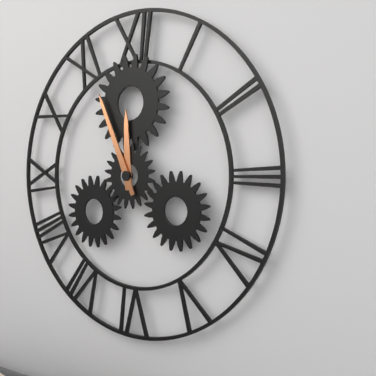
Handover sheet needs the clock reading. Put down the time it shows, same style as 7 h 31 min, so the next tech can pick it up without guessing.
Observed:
11 h 56 min
